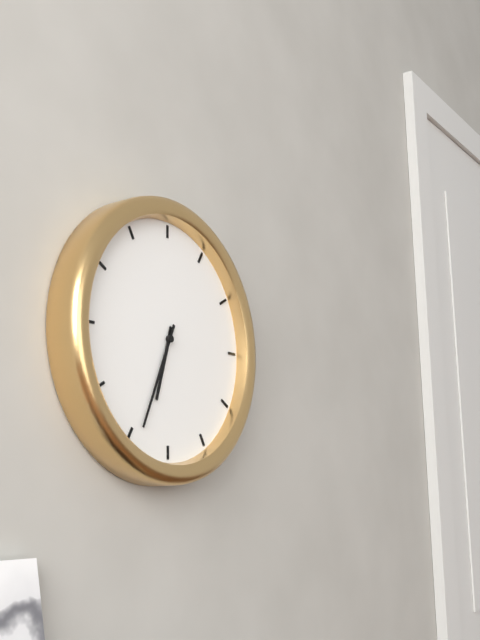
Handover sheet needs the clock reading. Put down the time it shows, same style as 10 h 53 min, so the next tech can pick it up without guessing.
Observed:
6 h 34 min
